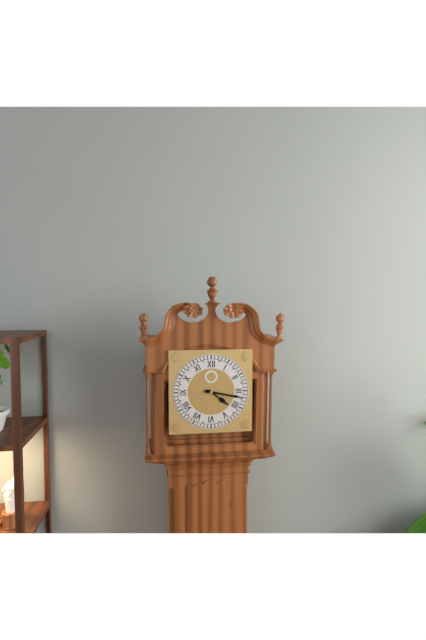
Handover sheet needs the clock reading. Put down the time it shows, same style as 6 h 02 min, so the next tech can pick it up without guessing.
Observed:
4 h 17 min
